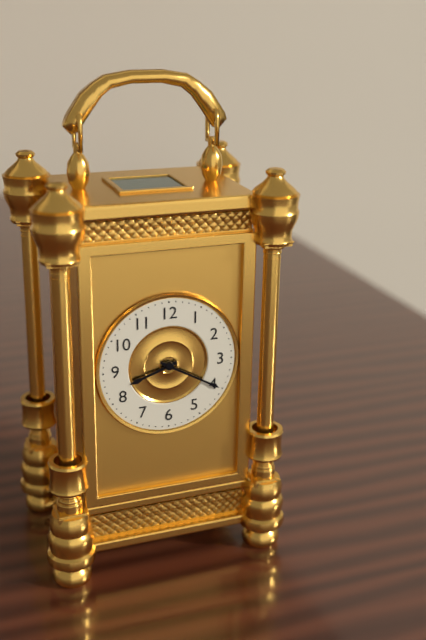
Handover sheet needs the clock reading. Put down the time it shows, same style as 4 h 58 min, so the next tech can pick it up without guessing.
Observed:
8 h 20 min
